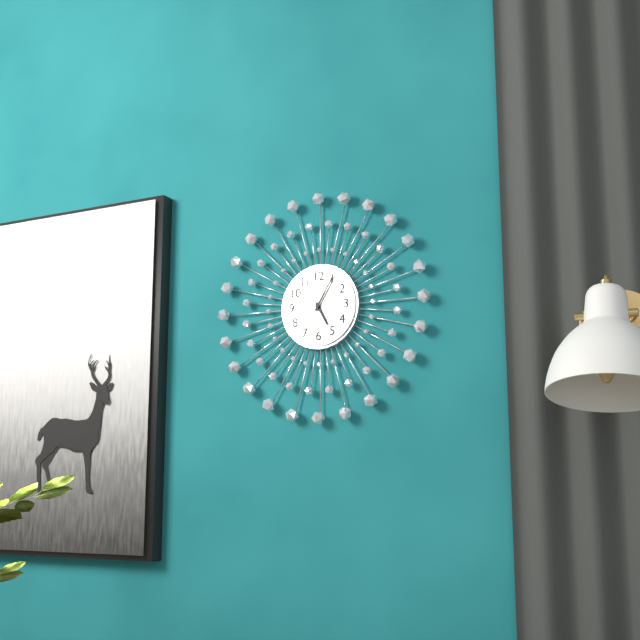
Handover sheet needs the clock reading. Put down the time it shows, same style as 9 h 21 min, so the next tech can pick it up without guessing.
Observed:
5 h 05 min
